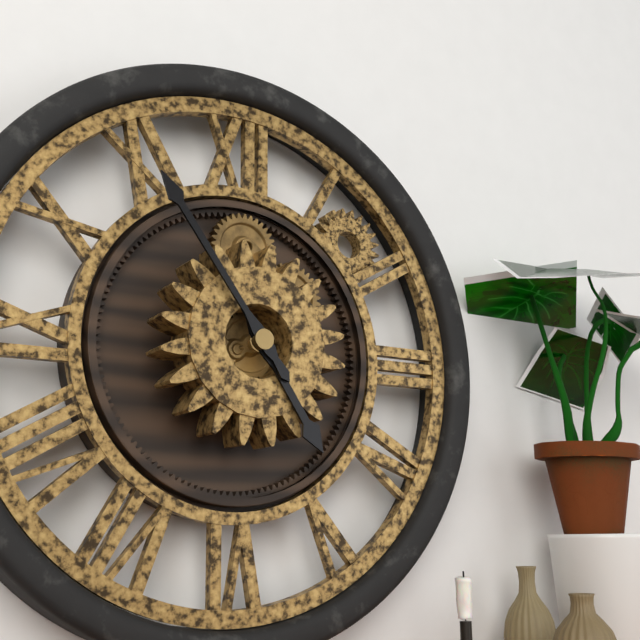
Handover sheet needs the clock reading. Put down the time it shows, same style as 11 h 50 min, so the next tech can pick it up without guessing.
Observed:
4 h 54 min
